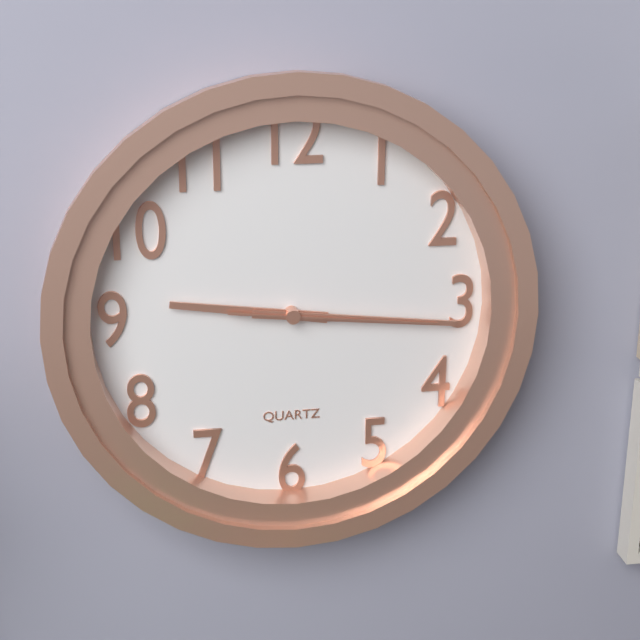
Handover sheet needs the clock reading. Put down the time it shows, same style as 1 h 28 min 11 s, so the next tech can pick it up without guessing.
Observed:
9 h 16 min 16 s
